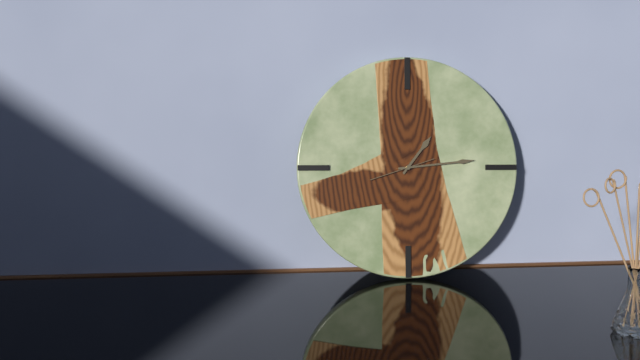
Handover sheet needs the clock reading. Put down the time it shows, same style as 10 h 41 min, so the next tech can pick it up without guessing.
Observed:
1 h 14 min
